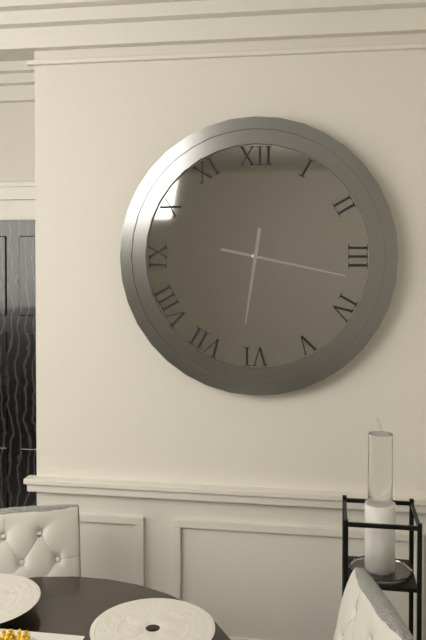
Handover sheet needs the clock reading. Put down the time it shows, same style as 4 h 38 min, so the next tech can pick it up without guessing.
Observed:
6 h 17 min
